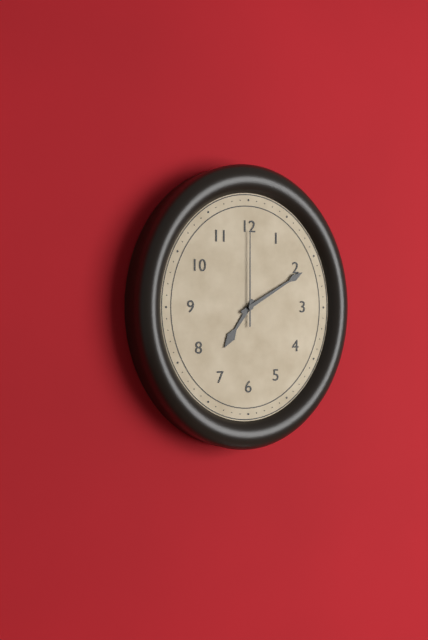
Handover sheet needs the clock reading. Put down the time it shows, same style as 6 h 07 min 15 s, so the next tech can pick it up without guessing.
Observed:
7 h 10 min 00 s
